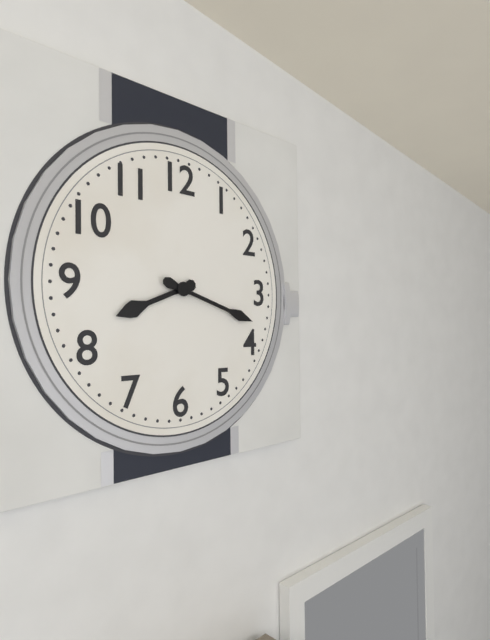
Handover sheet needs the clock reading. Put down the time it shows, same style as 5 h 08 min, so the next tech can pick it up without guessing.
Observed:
8 h 18 min
